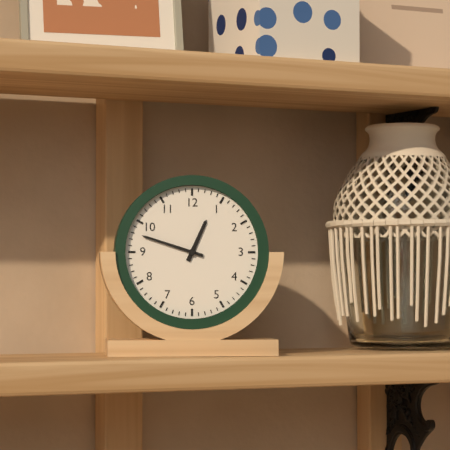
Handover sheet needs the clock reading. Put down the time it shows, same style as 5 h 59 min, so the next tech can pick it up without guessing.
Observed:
12 h 48 min
